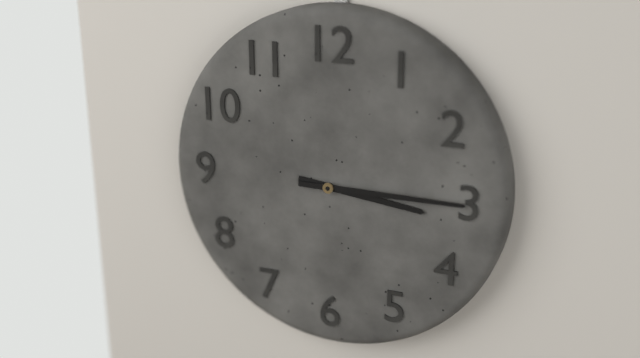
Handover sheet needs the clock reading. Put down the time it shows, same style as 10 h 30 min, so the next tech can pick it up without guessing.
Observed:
3 h 15 min
